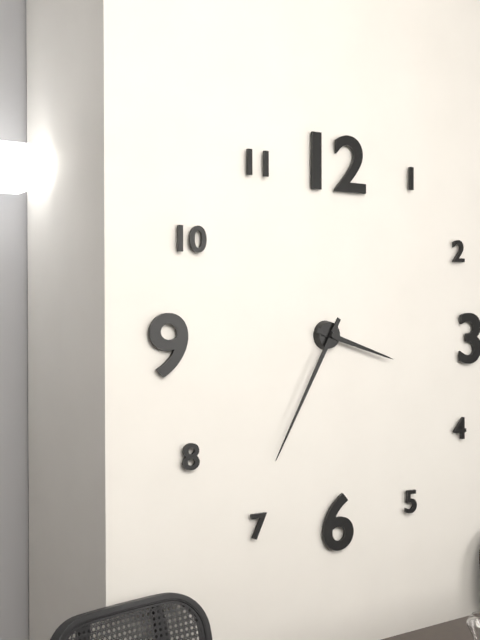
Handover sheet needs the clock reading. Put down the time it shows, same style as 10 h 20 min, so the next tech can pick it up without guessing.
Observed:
3 h 35 min
